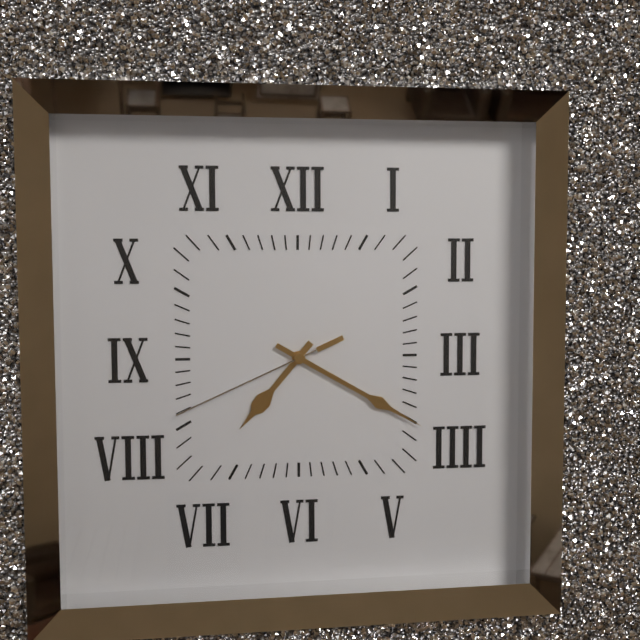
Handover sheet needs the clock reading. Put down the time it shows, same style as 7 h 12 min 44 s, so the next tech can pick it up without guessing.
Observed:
7 h 20 min 41 s
